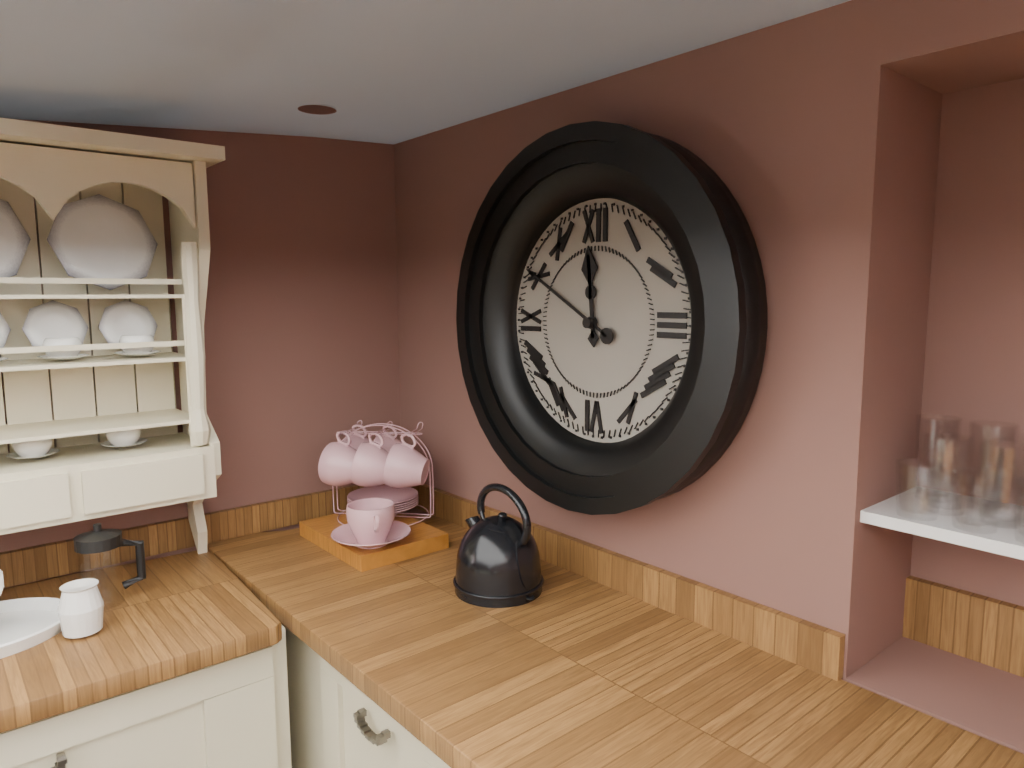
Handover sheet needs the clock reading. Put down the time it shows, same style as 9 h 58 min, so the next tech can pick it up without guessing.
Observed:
11 h 50 min
